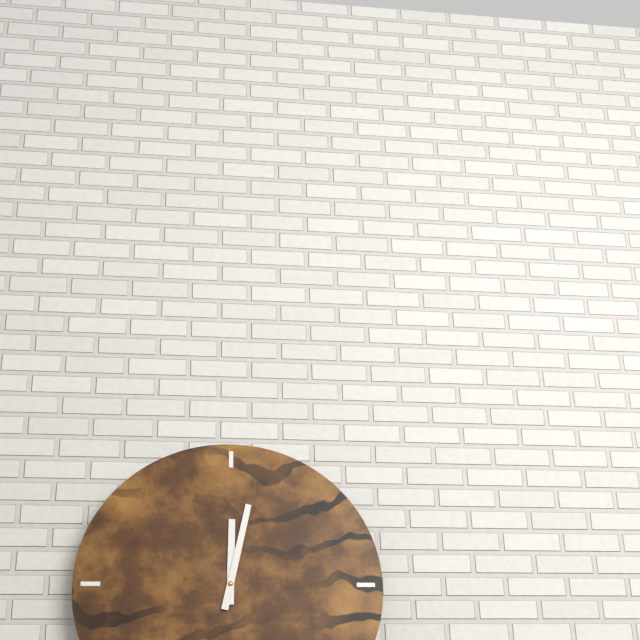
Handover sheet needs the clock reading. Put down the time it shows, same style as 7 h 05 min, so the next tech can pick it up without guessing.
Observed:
12 h 02 min
